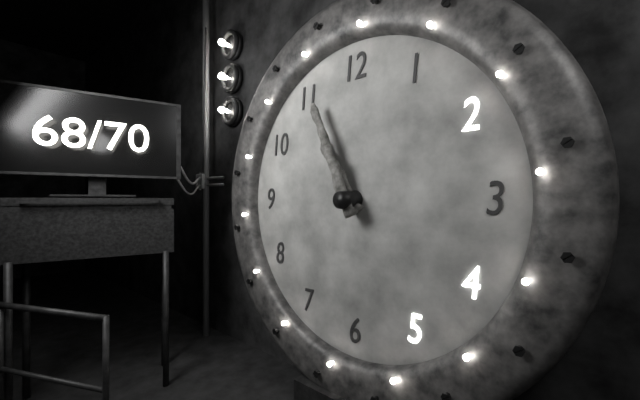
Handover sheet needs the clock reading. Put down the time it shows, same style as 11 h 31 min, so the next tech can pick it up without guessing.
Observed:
10 h 56 min
